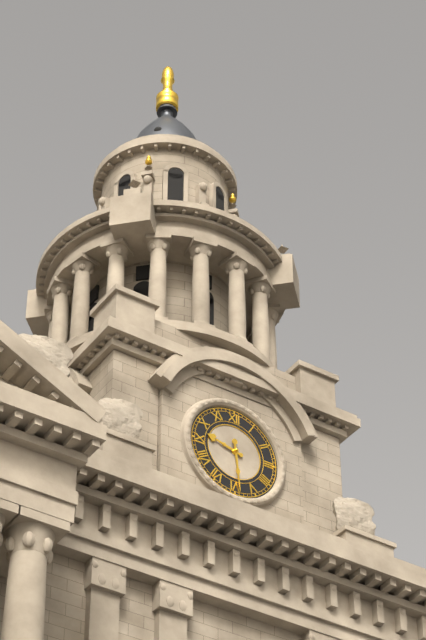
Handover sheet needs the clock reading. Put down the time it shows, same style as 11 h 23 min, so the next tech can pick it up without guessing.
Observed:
9 h 29 min
